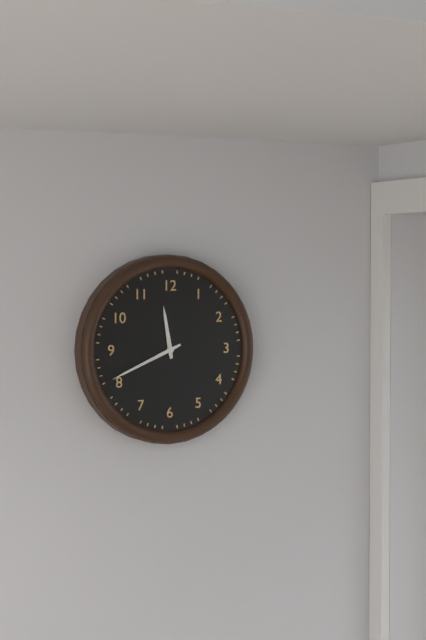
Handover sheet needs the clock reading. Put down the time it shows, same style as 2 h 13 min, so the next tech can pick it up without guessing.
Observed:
11 h 41 min
